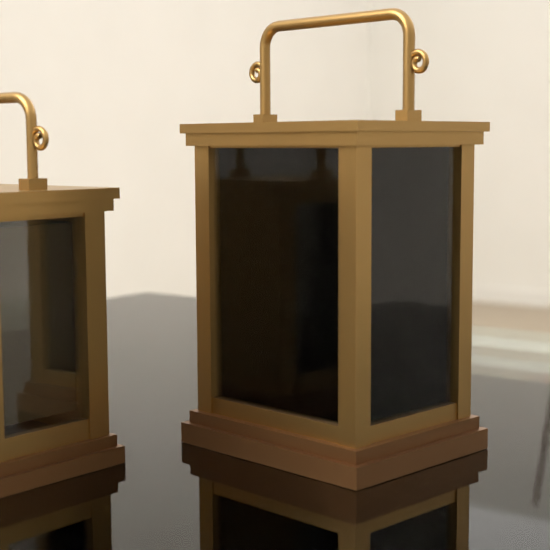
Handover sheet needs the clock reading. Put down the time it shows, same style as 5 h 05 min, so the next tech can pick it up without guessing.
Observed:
4 h 05 min
